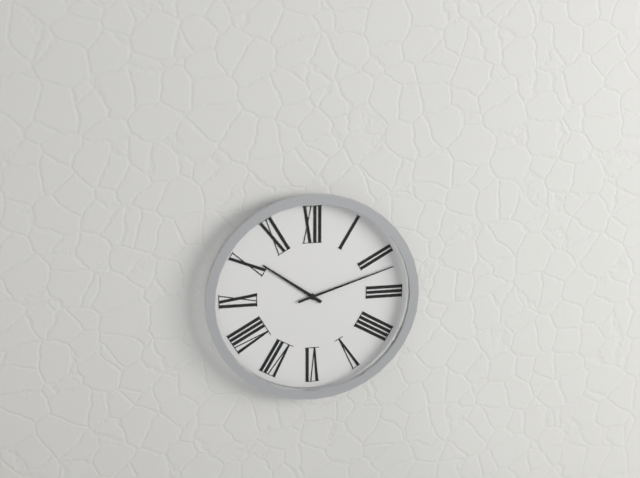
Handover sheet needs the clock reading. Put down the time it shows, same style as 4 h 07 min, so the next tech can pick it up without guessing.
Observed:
10 h 12 min
